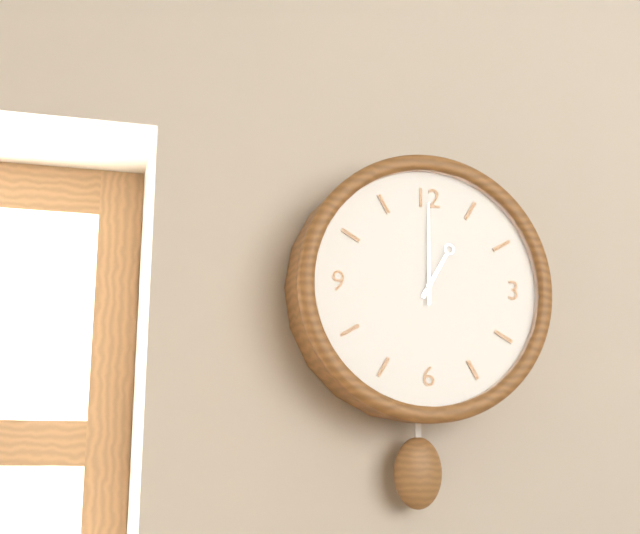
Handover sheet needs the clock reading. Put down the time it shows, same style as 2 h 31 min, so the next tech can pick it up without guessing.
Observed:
1 h 00 min
